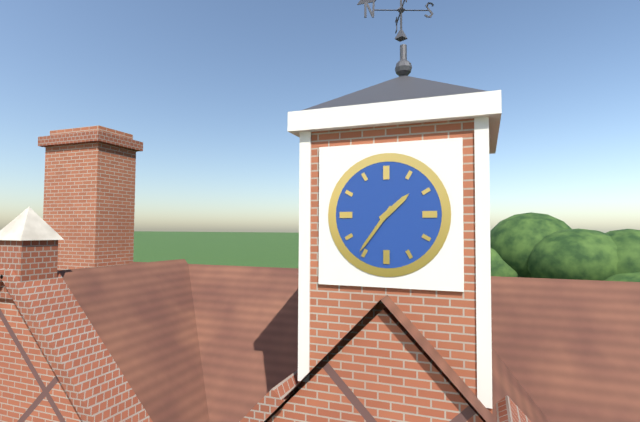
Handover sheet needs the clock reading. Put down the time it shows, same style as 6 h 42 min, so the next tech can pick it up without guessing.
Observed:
1 h 36 min
